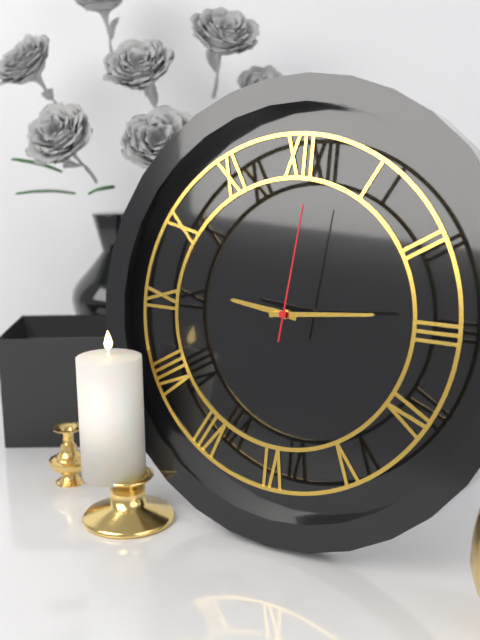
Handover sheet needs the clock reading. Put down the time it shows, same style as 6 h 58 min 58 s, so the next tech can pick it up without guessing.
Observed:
9 h 14 min 01 s
